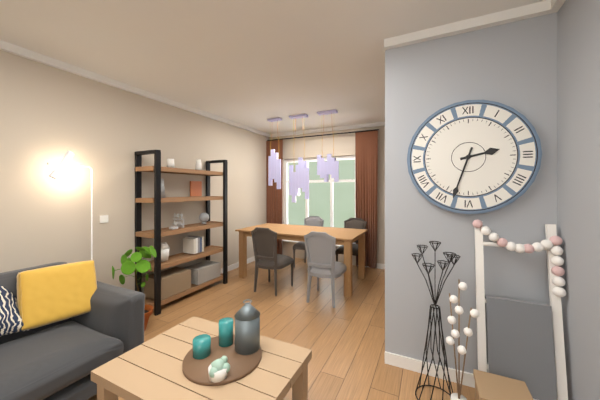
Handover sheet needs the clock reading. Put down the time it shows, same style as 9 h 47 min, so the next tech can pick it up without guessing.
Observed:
2 h 33 min
